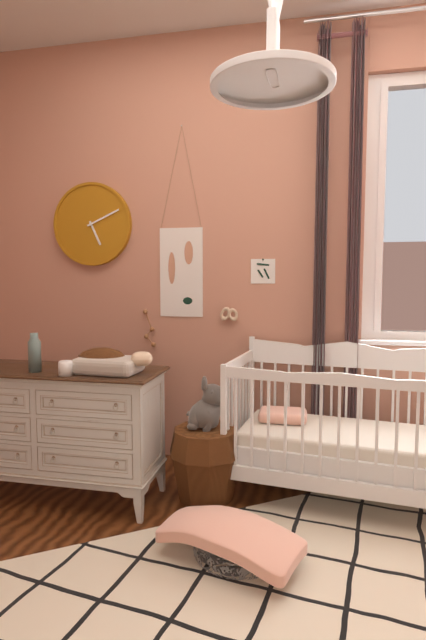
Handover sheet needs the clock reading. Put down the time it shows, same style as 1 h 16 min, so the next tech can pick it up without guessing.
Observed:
5 h 11 min
